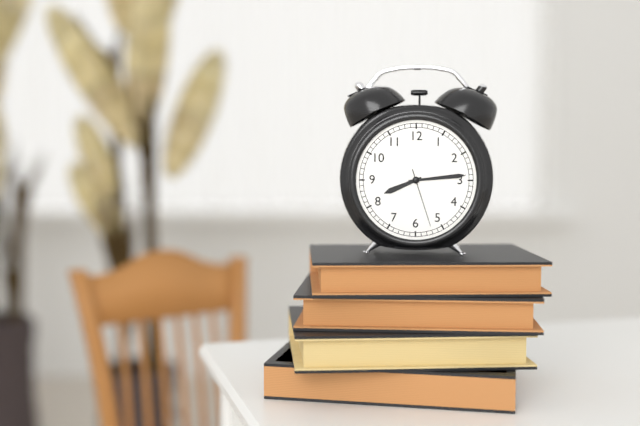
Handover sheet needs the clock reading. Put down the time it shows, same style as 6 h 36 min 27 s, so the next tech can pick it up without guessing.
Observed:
8 h 14 min 27 s
